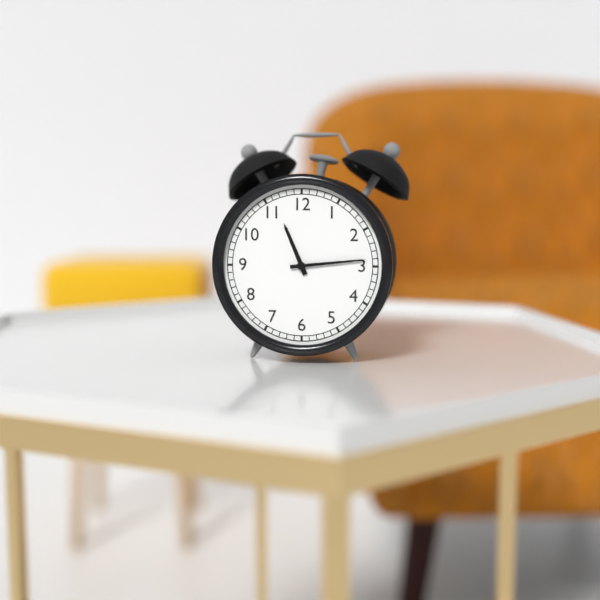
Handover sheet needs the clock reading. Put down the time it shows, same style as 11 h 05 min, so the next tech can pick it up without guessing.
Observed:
11 h 14 min
